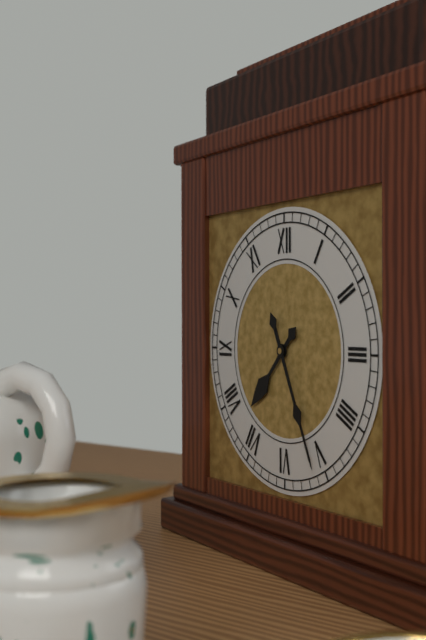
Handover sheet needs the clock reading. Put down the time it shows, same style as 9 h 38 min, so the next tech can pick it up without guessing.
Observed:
7 h 26 min
